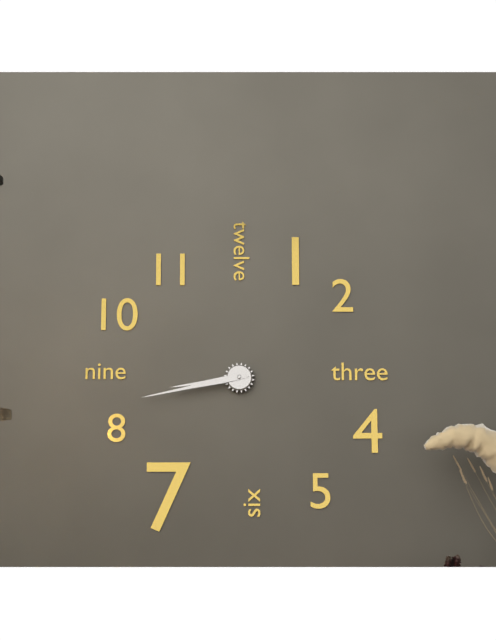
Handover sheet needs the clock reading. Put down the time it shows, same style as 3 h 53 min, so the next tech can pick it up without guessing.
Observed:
8 h 43 min
